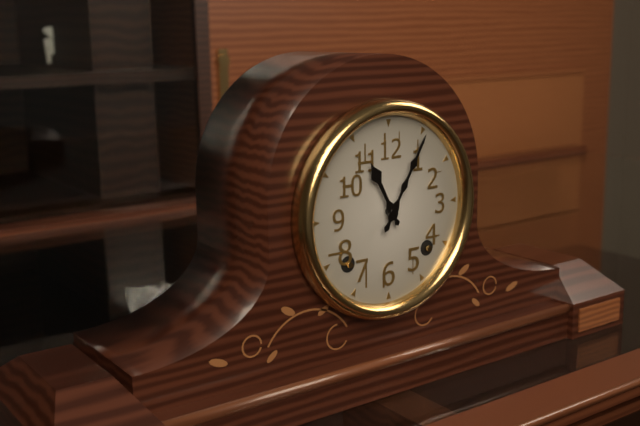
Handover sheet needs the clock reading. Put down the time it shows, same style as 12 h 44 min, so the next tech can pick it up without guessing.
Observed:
11 h 05 min
